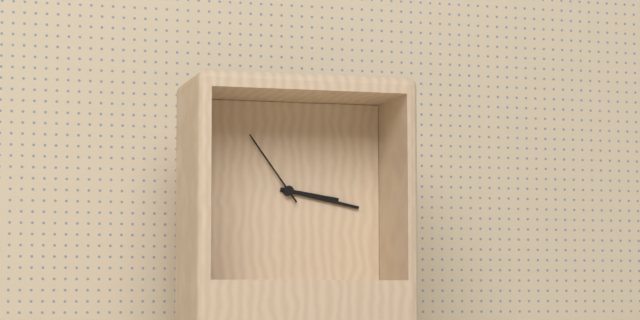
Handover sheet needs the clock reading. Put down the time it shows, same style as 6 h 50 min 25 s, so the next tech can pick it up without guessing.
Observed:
3 h 17 min 54 s
